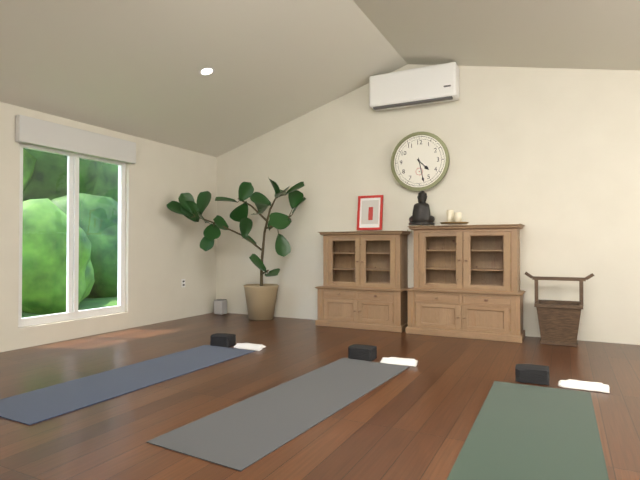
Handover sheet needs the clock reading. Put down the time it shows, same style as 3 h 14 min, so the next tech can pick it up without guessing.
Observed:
4 h 28 min
